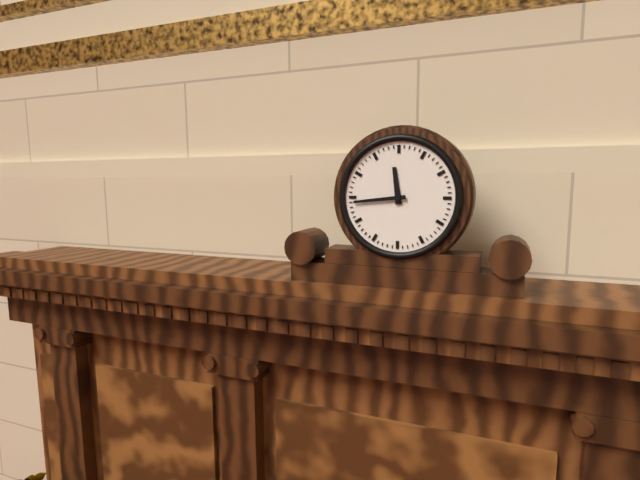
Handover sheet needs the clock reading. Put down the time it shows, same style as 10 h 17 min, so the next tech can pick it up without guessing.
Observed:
11 h 44 min
